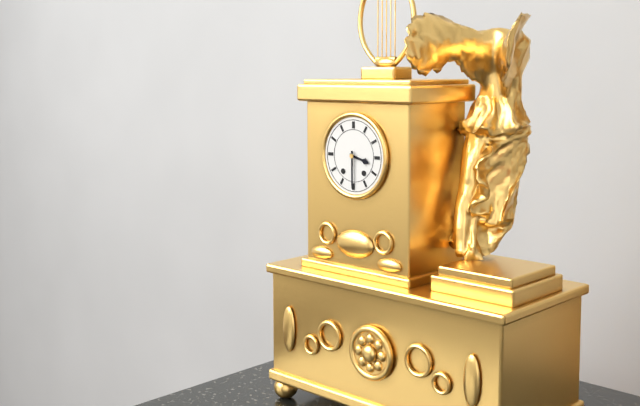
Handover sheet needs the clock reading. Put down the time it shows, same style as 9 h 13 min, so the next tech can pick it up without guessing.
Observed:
3 h 30 min
